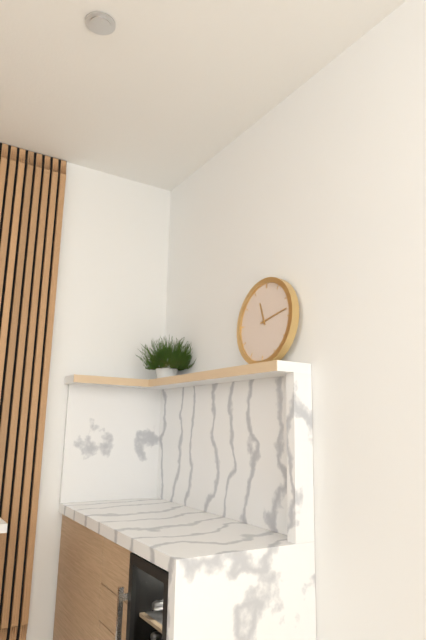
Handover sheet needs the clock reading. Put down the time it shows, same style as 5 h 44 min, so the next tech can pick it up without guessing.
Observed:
11 h 13 min
